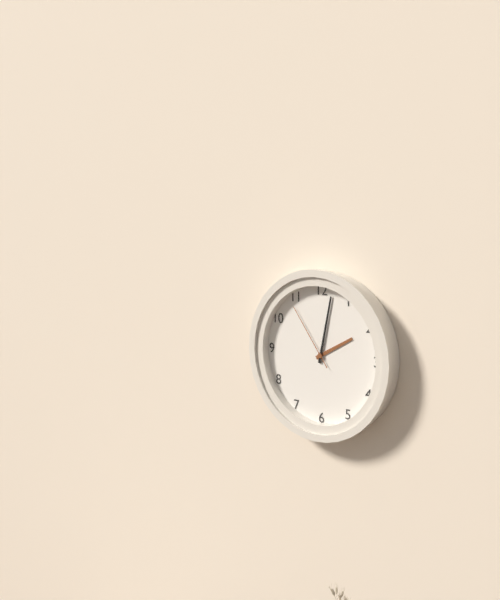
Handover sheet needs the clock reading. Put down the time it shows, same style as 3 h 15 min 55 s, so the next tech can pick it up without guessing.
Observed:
2 h 02 min 54 s
